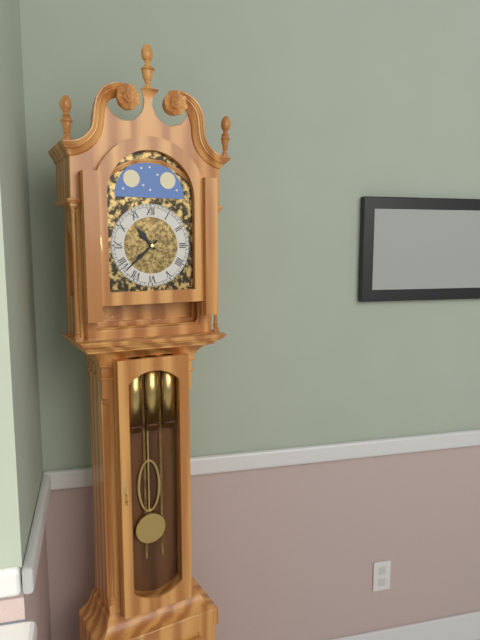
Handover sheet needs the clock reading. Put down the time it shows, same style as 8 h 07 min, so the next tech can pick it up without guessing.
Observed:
10 h 38 min
